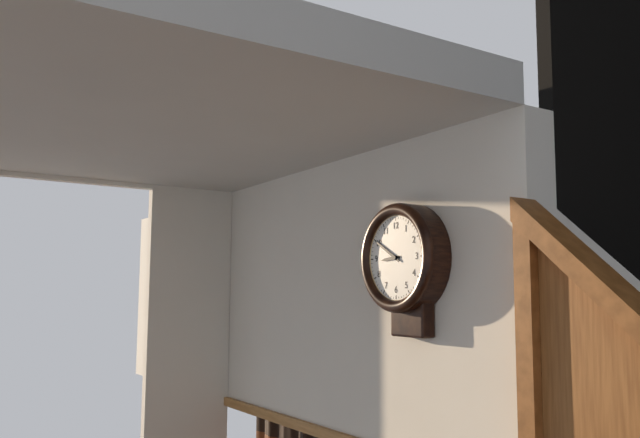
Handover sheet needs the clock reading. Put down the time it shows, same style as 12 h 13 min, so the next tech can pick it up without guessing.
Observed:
8 h 50 min
